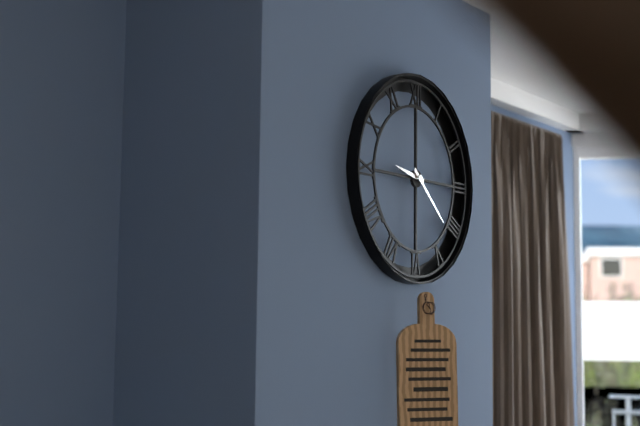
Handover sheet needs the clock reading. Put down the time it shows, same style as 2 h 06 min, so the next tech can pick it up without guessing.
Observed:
9 h 22 min
